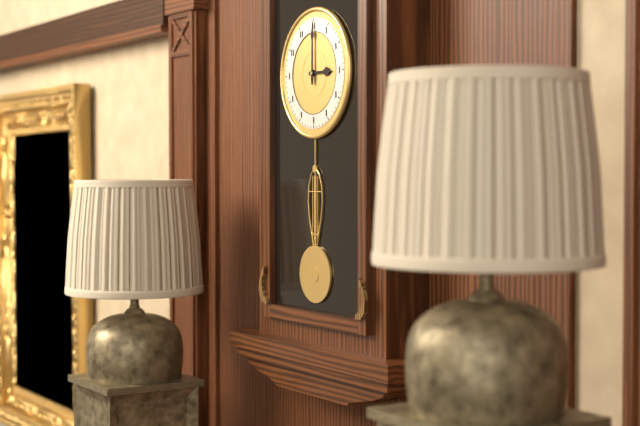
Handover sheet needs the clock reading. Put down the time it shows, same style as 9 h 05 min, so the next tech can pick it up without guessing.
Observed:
3 h 00 min
